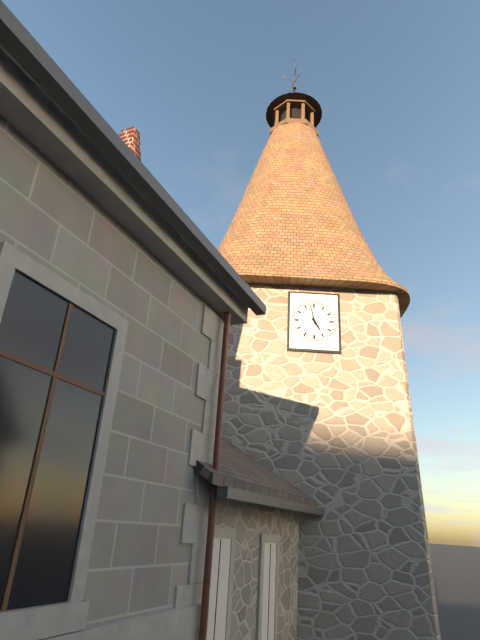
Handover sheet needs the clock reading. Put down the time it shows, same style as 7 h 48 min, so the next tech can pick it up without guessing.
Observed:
4 h 58 min
